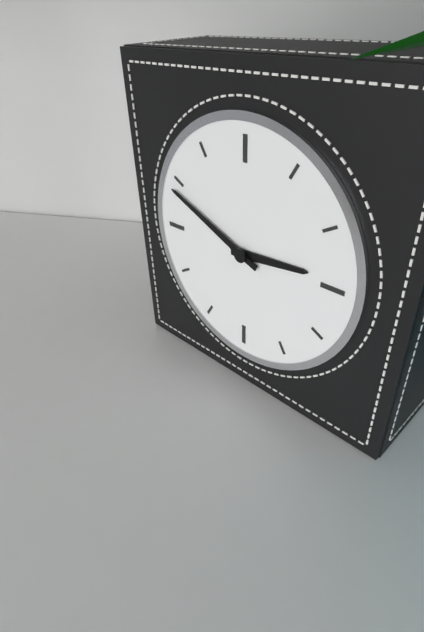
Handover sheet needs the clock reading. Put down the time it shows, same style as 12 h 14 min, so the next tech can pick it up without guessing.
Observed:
2 h 49 min
